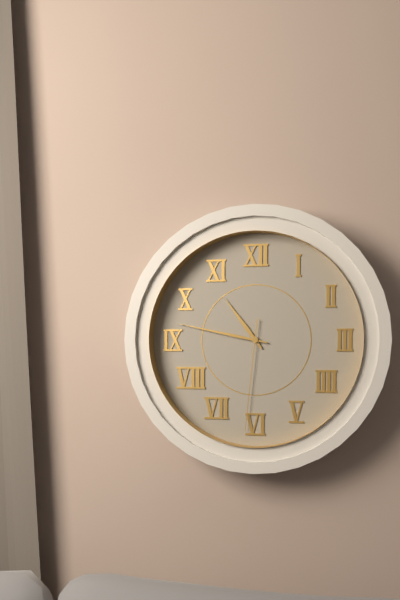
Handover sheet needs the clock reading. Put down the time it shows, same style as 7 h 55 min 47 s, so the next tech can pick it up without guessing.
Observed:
10 h 47 min 31 s
